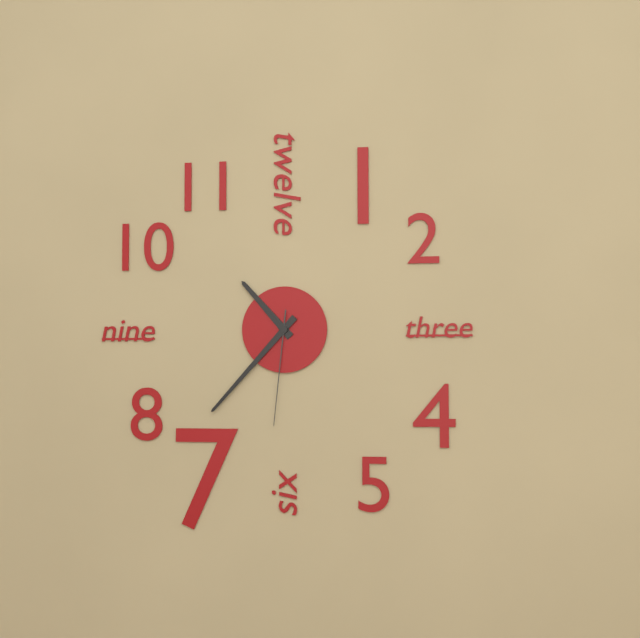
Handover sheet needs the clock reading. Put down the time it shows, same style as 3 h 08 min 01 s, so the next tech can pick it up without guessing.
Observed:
10 h 37 min 31 s
